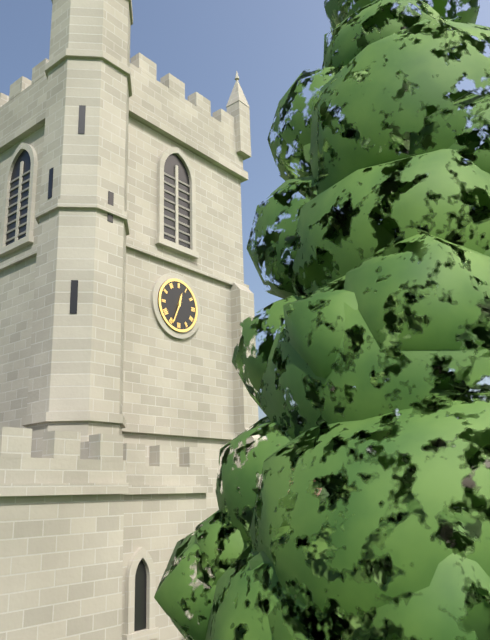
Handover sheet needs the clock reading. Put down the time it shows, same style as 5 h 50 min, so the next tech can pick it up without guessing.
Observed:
12 h 34 min
